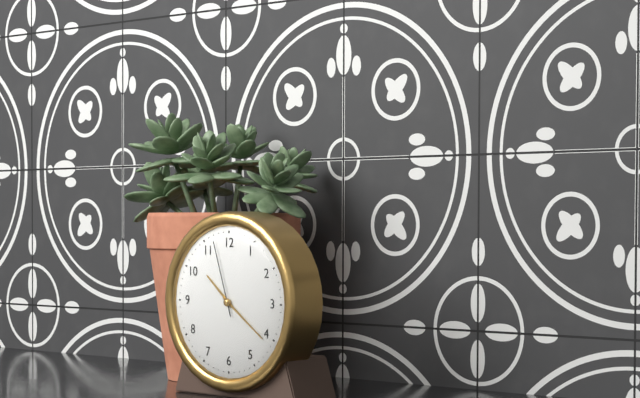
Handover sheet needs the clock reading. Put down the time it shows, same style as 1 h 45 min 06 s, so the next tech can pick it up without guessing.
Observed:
10 h 21 min 57 s
